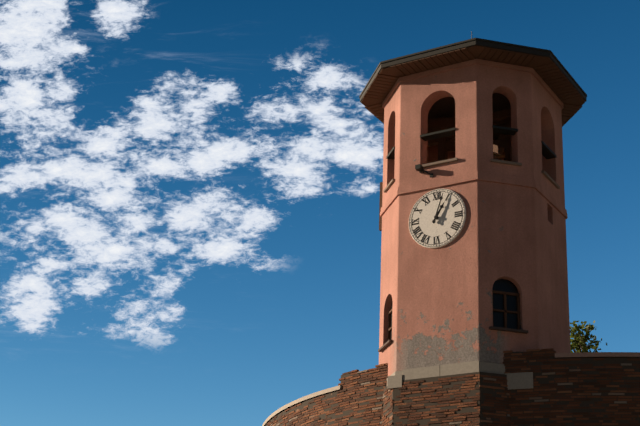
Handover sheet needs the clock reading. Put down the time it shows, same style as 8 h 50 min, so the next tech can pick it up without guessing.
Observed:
1 h 03 min
